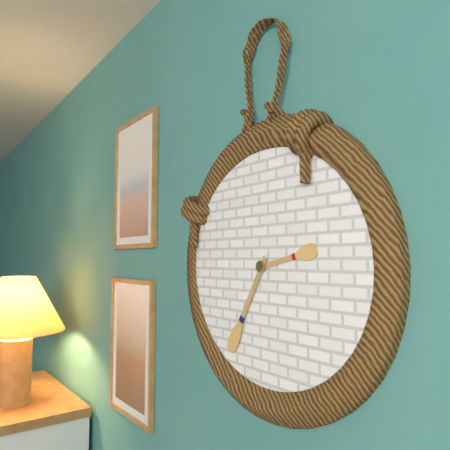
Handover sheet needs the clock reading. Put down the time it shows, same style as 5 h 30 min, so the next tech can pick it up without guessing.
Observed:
2 h 35 min
